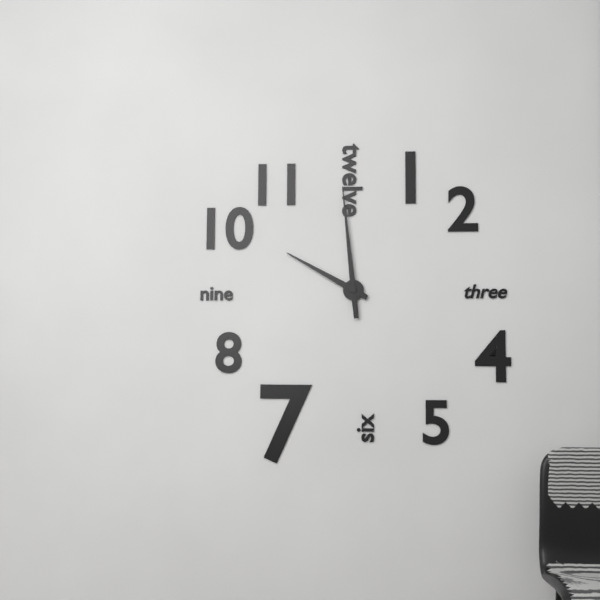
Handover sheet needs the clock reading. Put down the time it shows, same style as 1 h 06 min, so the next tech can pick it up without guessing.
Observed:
9 h 59 min
